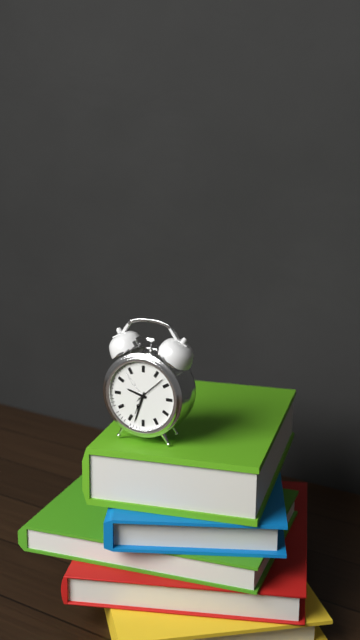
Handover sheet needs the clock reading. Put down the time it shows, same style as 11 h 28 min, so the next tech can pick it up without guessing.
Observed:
9 h 33 min
